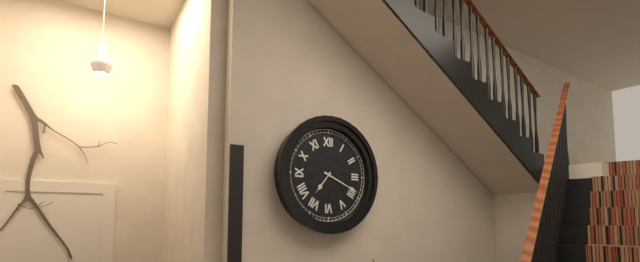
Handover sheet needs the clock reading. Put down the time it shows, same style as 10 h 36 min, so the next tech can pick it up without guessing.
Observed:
7 h 19 min
